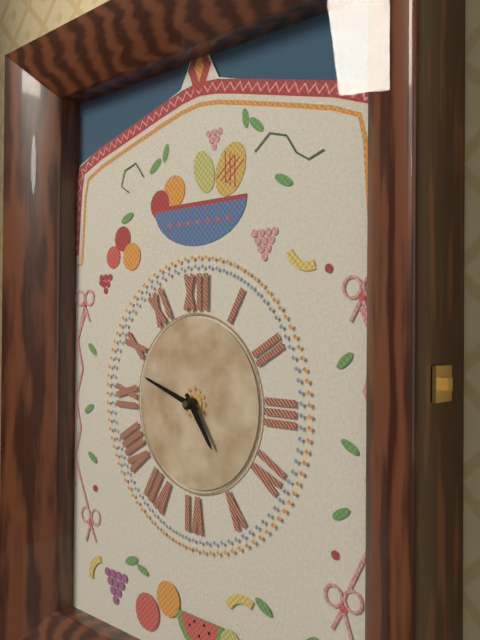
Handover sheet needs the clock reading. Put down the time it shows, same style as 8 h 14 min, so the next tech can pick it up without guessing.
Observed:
4 h 48 min
